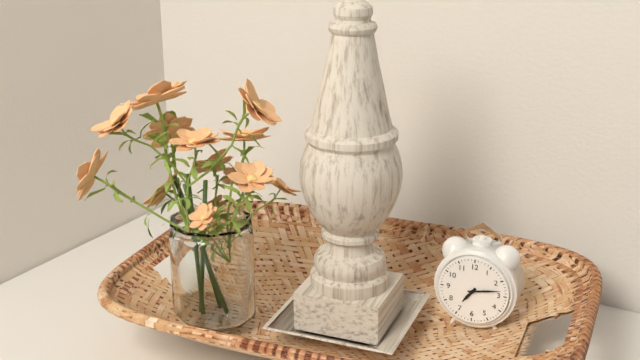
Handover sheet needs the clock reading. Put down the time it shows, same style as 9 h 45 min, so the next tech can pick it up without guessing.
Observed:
7 h 13 min
